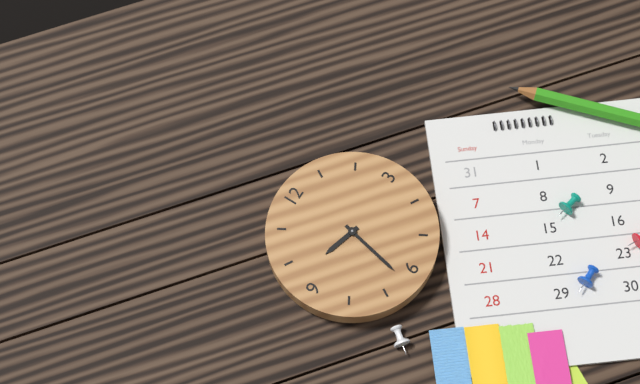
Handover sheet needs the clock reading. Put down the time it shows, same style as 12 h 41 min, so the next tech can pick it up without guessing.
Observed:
9 h 32 min
